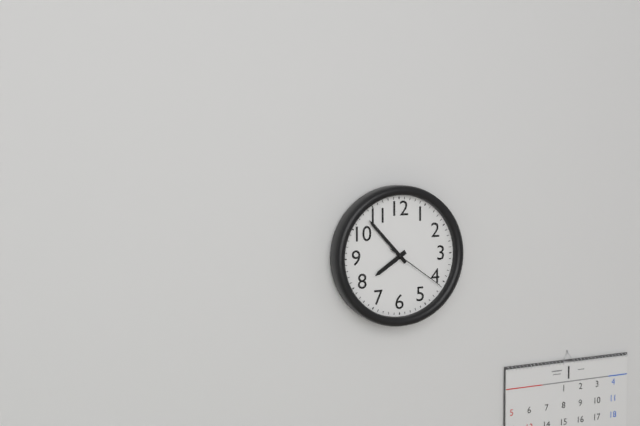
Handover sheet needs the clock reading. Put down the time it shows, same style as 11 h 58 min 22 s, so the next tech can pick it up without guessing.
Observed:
7 h 53 min 21 s
